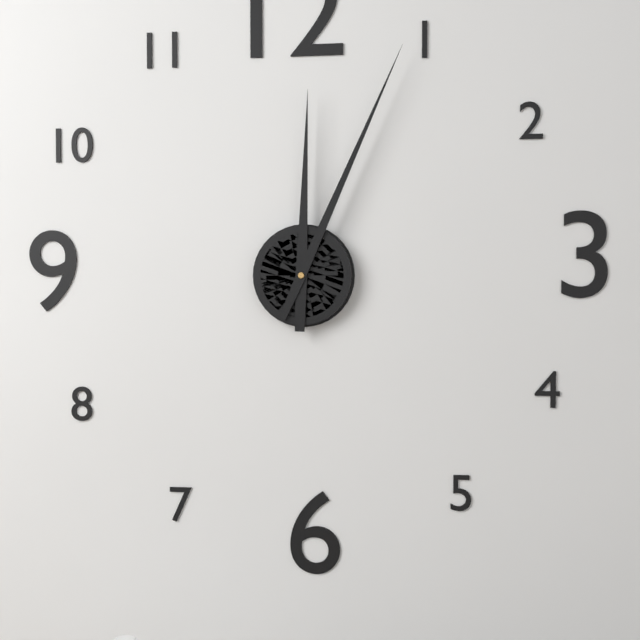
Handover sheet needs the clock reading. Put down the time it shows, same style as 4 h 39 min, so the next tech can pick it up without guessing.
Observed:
12 h 04 min
